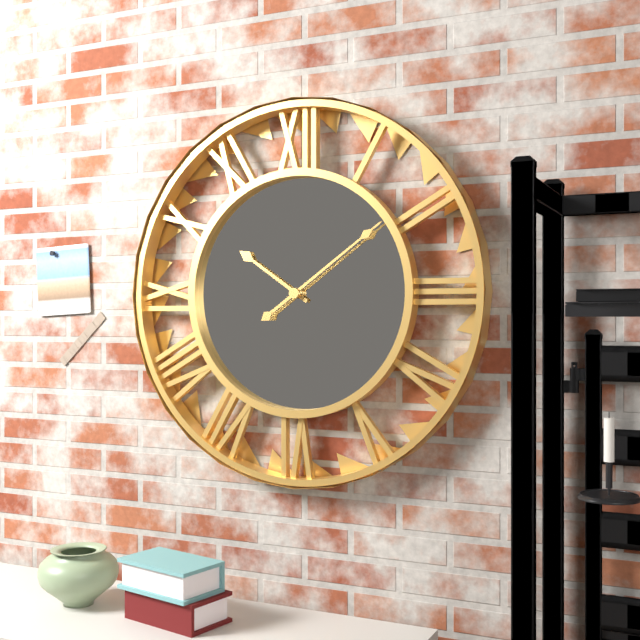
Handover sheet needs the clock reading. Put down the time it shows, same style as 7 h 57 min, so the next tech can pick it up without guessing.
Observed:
10 h 09 min
